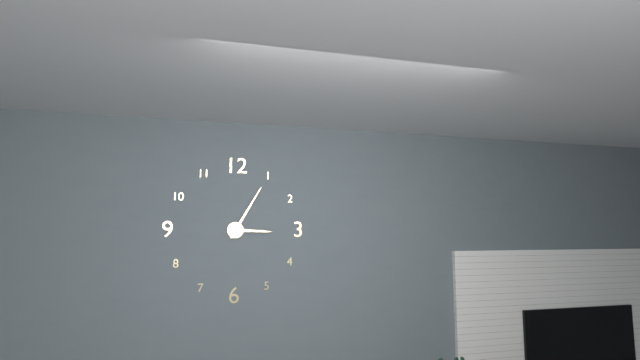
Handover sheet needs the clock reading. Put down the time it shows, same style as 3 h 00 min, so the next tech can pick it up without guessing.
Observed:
3 h 05 min
